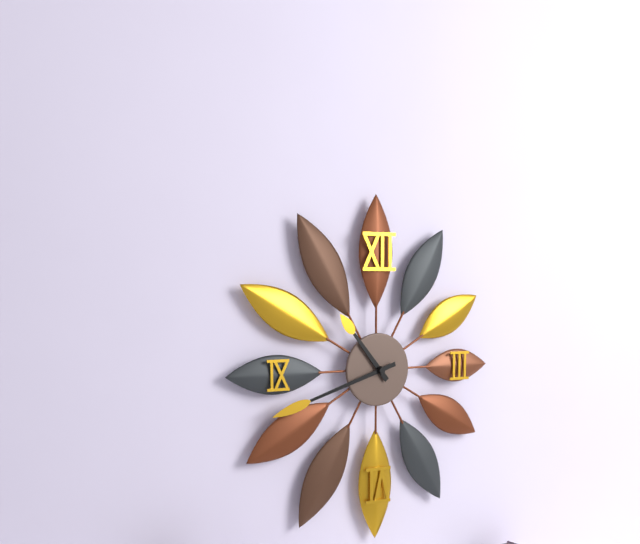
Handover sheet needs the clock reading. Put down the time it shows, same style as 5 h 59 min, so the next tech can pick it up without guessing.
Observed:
10 h 42 min
